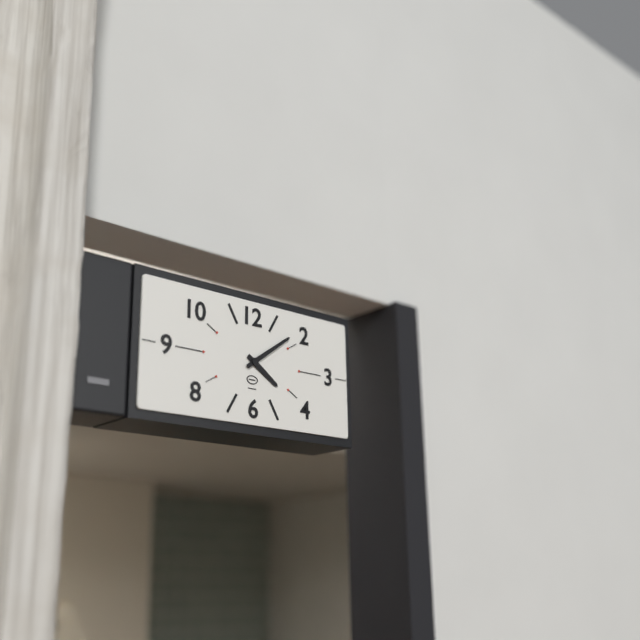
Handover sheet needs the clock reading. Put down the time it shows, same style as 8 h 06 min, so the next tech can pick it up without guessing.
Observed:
4 h 09 min
